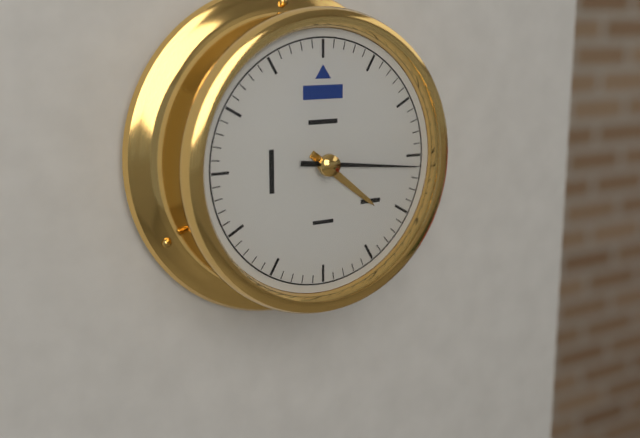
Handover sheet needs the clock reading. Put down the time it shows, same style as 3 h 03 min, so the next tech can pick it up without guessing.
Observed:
4 h 16 min
